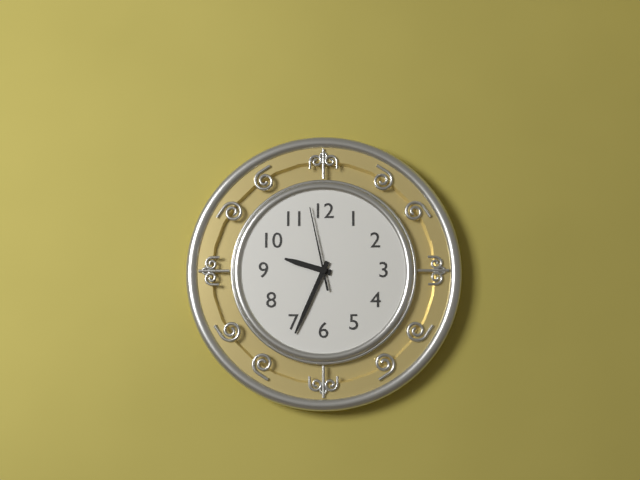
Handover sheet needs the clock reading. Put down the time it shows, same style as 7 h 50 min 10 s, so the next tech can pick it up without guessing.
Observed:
9 h 34 min 58 s
